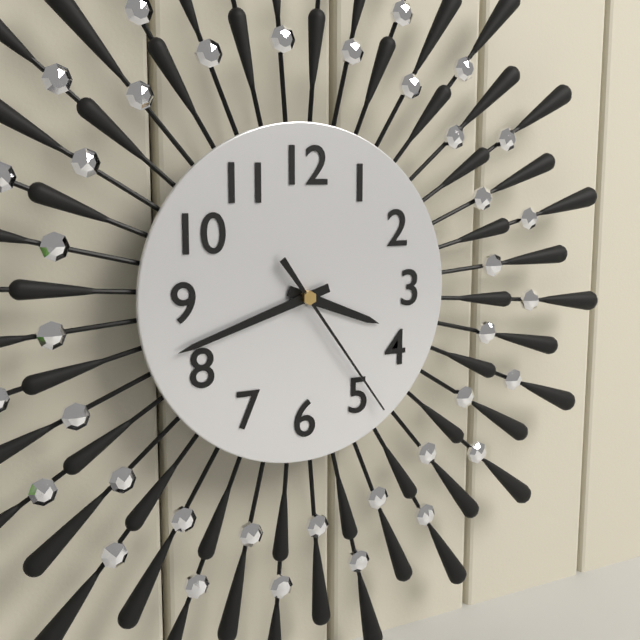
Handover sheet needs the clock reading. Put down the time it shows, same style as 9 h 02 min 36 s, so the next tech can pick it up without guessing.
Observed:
3 h 42 min 24 s
